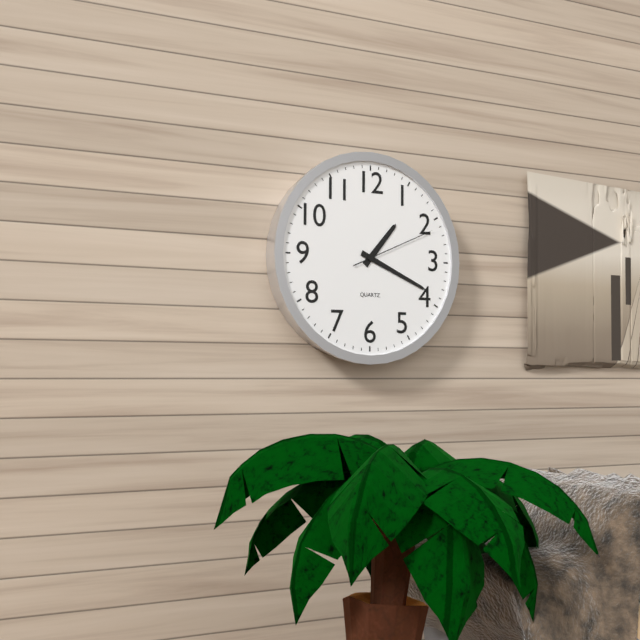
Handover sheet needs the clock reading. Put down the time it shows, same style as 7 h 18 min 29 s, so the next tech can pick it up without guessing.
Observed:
1 h 19 min 11 s
